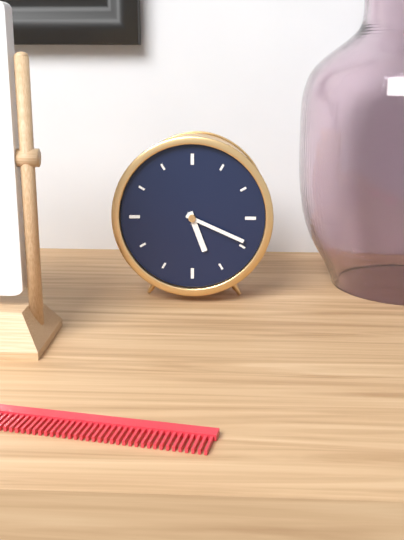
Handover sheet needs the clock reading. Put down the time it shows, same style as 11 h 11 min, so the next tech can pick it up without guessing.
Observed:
5 h 19 min
